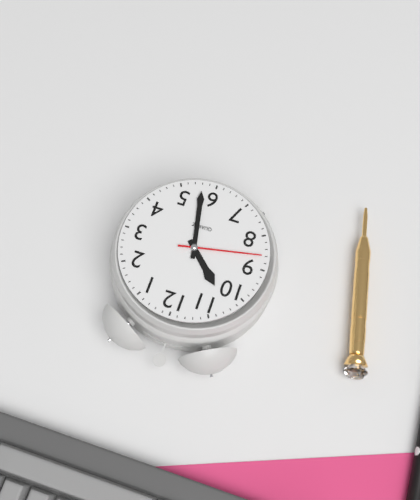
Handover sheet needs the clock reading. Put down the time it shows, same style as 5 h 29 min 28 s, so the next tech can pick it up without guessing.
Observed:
10 h 28 min 43 s
